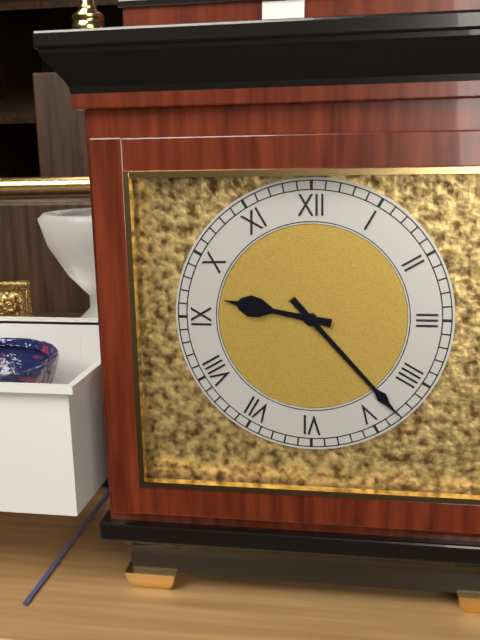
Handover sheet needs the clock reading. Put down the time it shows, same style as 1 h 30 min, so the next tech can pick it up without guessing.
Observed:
9 h 23 min
